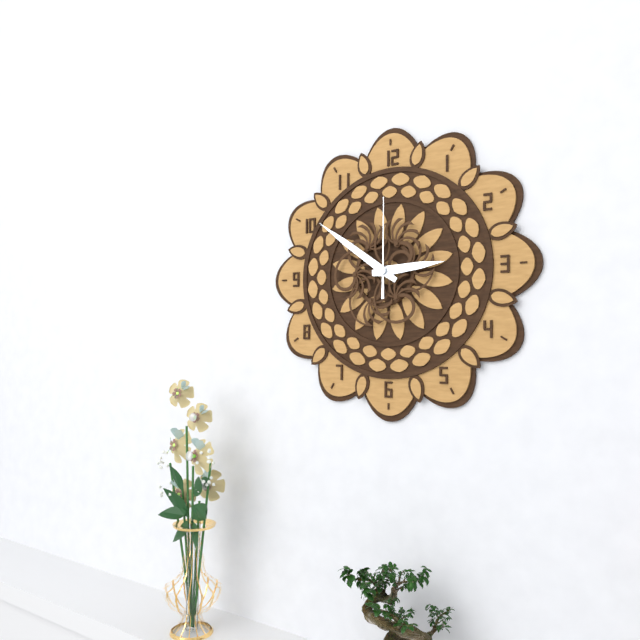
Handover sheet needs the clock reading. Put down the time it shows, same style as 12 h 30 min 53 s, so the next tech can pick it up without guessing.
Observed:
2 h 51 min 00 s
